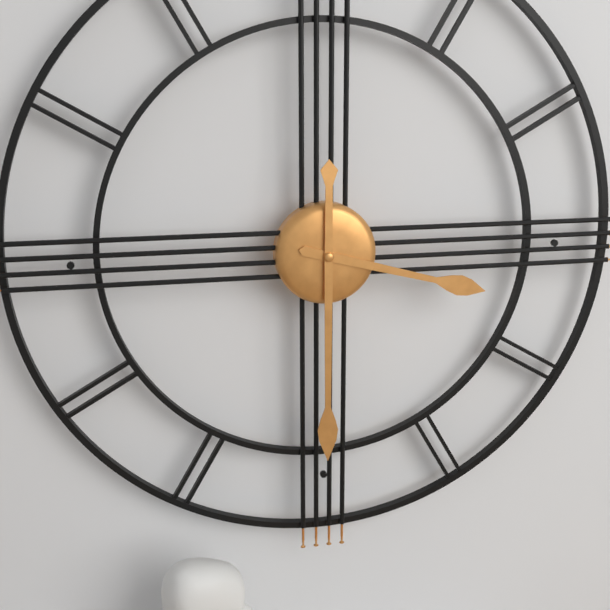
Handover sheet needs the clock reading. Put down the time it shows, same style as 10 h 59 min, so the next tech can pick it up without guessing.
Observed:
3 h 30 min
